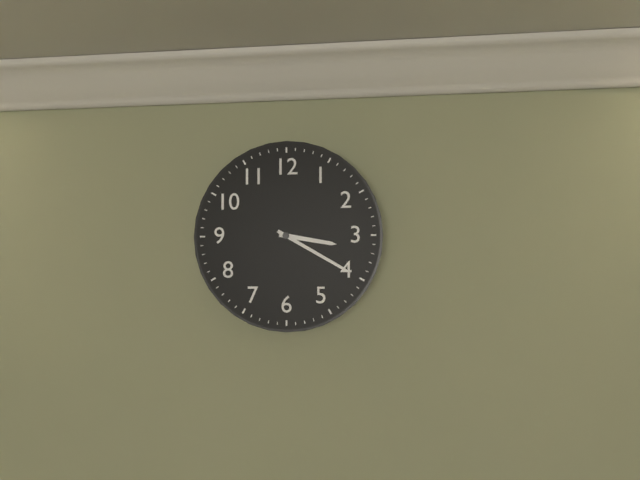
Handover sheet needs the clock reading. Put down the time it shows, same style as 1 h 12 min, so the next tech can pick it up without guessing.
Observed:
3 h 20 min
